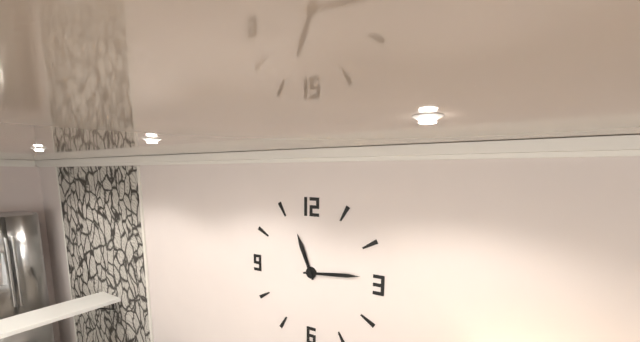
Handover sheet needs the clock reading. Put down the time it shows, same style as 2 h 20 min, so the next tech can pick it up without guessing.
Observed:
11 h 14 min
